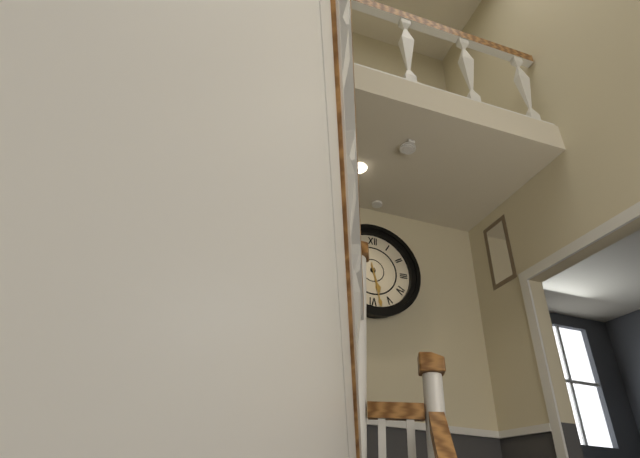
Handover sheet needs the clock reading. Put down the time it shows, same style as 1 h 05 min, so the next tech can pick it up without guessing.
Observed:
5 h 28 min
